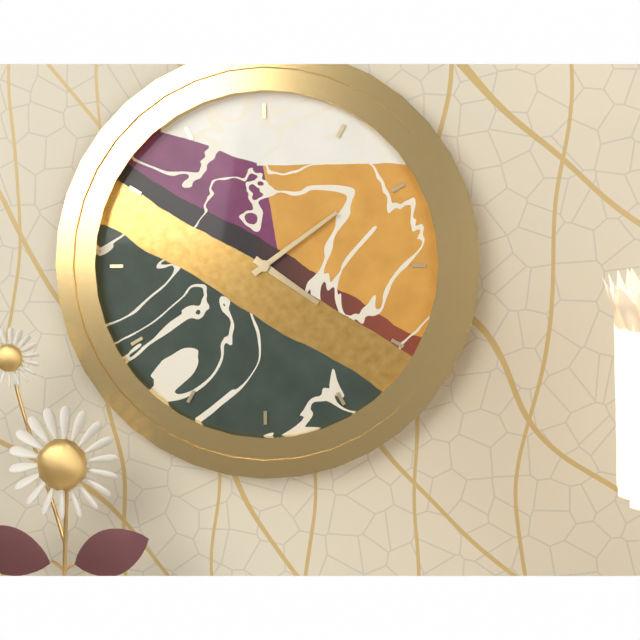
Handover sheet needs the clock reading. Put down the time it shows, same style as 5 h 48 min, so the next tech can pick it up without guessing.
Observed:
4 h 09 min
